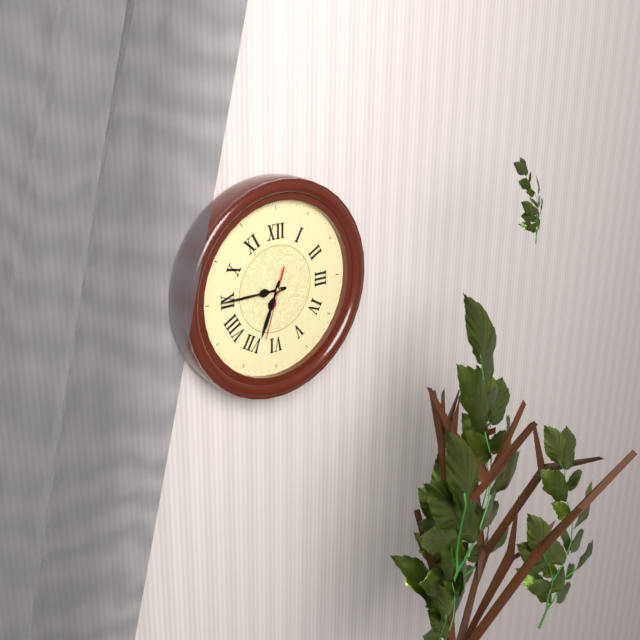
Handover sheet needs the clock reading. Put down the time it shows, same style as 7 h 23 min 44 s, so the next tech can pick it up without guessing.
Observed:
6 h 45 min 33 s
